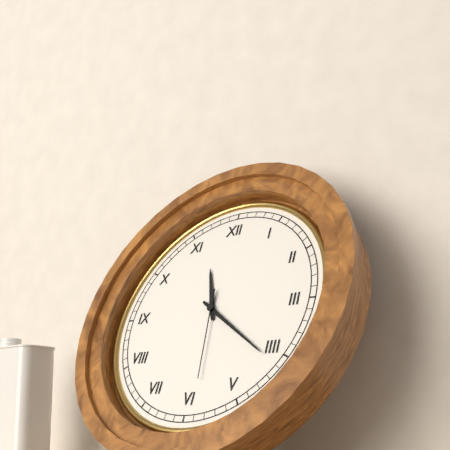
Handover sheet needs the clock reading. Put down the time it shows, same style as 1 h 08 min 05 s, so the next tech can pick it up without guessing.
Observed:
11 h 21 min 29 s
